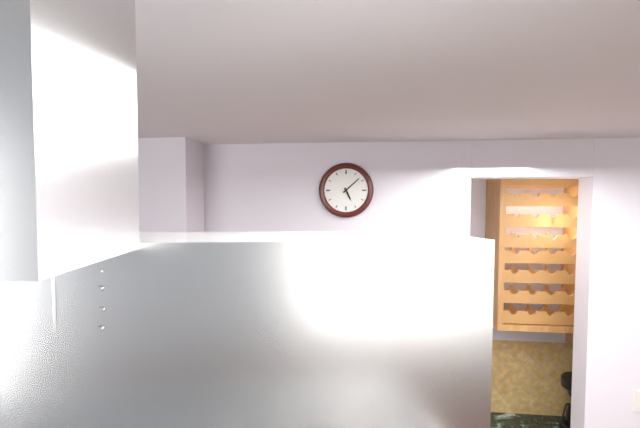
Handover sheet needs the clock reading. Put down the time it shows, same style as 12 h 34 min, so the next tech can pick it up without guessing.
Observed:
5 h 08 min
